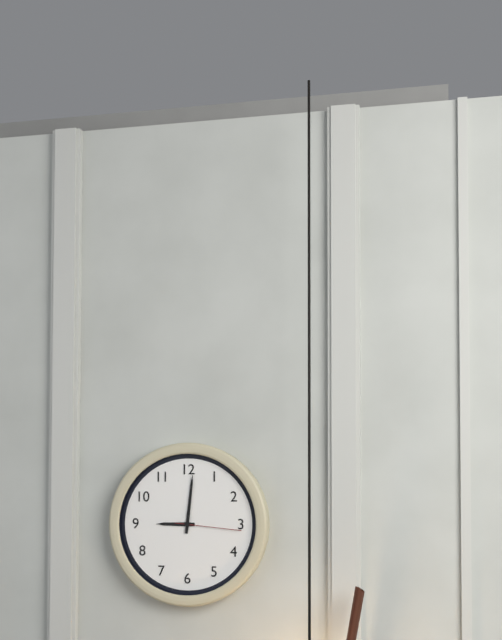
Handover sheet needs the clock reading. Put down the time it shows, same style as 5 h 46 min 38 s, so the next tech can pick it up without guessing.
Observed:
9 h 01 min 16 s
